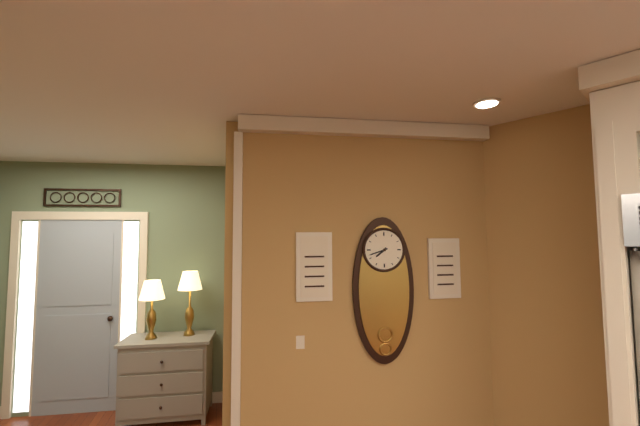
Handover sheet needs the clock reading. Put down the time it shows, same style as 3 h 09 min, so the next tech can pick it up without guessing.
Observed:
7 h 42 min
